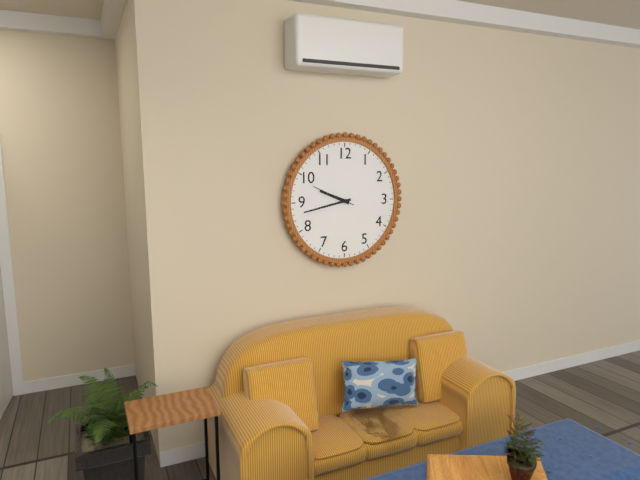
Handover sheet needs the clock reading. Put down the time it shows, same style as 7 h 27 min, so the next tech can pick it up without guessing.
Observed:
9 h 43 min
